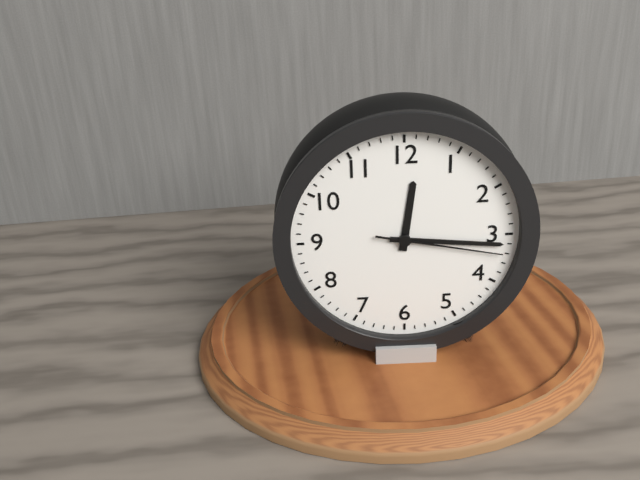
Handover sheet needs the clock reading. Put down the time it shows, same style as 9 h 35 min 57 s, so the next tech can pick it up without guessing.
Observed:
12 h 16 min 17 s
